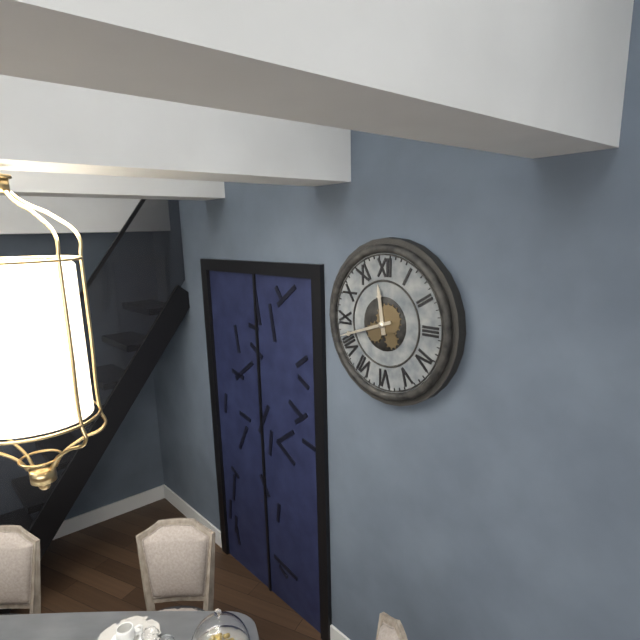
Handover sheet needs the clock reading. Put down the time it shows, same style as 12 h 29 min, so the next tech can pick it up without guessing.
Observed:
11 h 42 min
